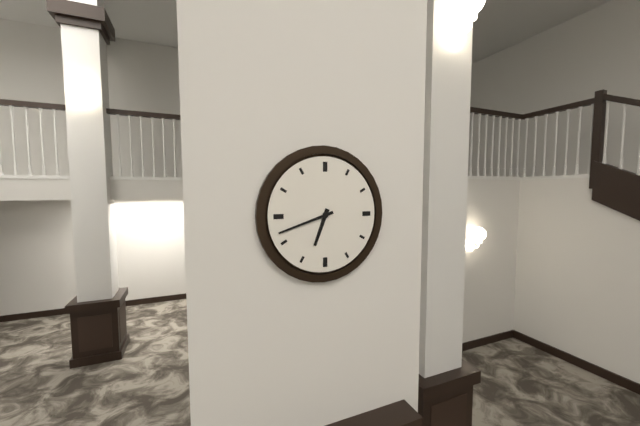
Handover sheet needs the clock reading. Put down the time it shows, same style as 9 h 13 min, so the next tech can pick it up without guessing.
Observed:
6 h 42 min
